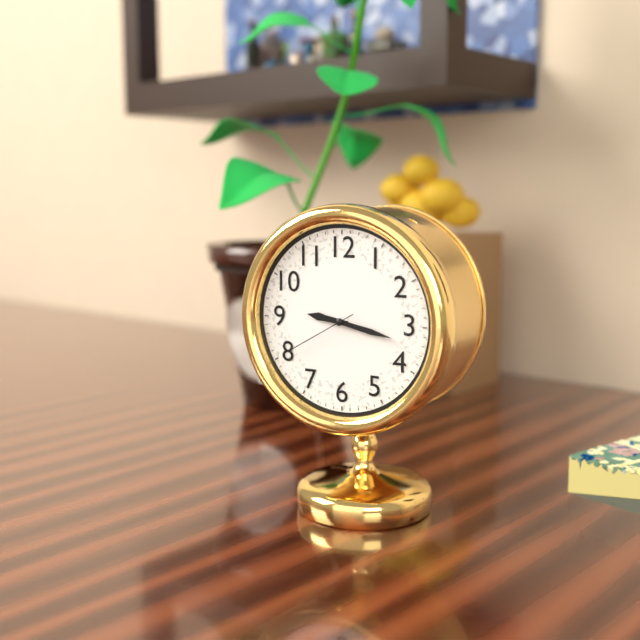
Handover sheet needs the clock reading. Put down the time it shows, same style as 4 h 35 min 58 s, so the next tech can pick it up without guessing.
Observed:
9 h 17 min 40 s
